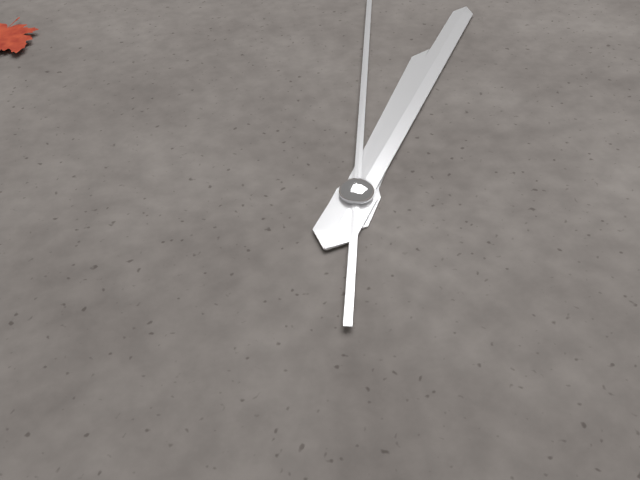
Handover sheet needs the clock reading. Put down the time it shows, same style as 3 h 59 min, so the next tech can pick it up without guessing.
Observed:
1 h 06 min
